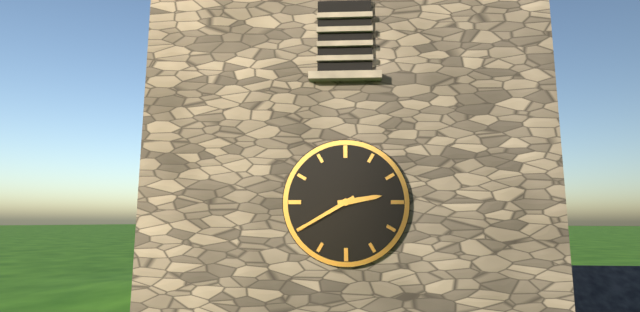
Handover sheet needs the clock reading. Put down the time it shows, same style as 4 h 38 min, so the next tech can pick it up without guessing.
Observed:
2 h 40 min
